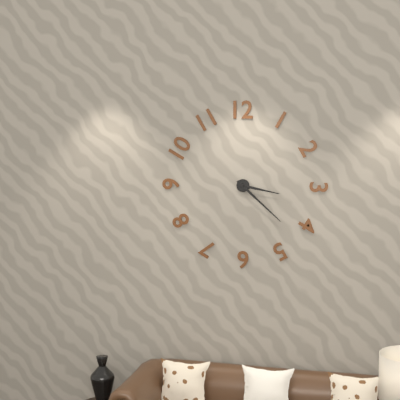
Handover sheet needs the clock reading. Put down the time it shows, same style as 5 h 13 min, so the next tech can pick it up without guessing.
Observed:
3 h 22 min
